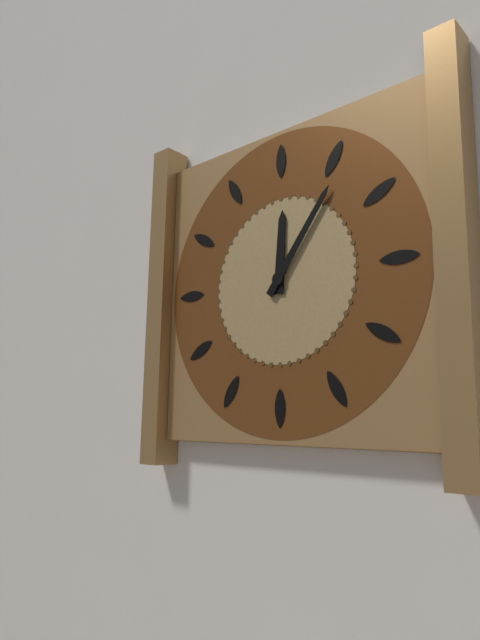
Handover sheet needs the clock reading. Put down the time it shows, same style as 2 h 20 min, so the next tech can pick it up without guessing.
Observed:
12 h 06 min
